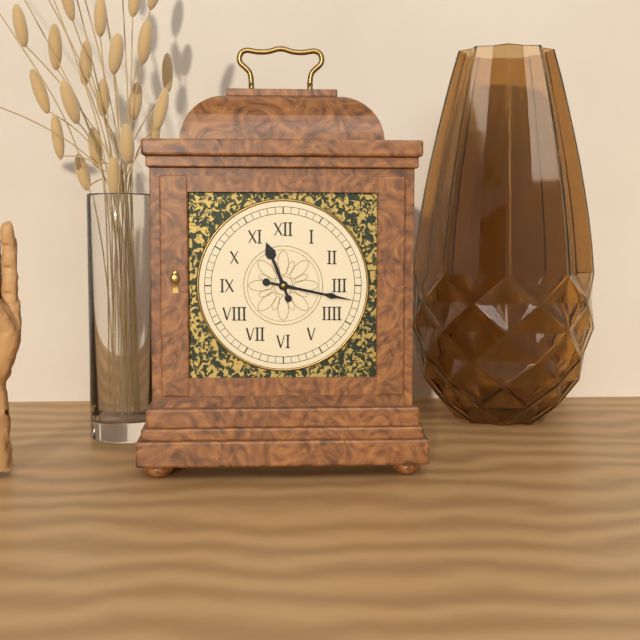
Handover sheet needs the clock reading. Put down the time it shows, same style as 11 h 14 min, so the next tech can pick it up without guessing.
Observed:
11 h 17 min
